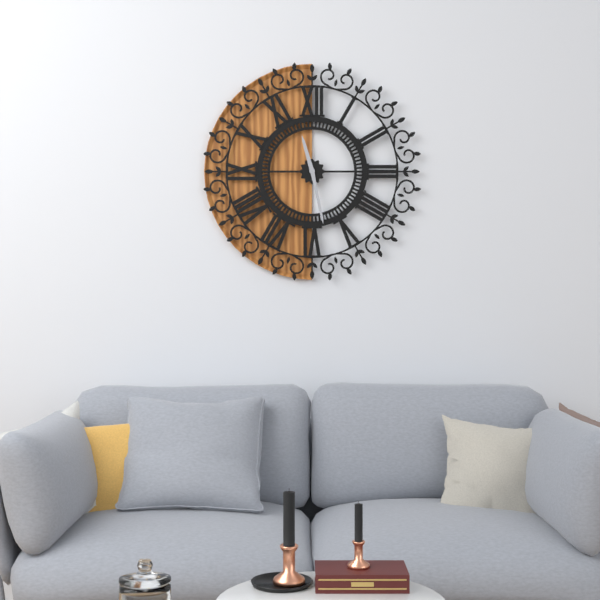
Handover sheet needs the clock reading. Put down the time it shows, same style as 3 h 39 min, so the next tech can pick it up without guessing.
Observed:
11 h 28 min
